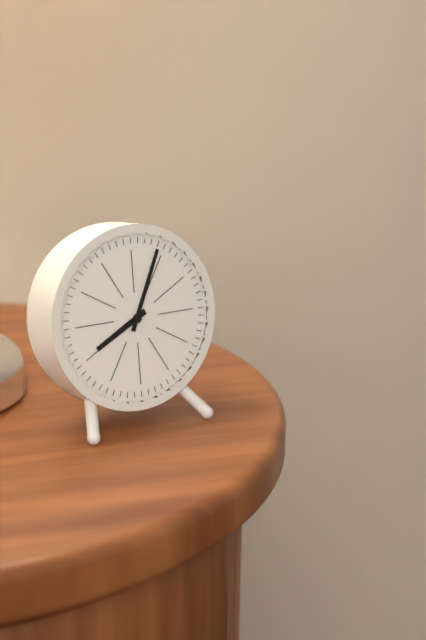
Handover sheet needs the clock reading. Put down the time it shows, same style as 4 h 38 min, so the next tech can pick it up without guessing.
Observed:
8 h 04 min
